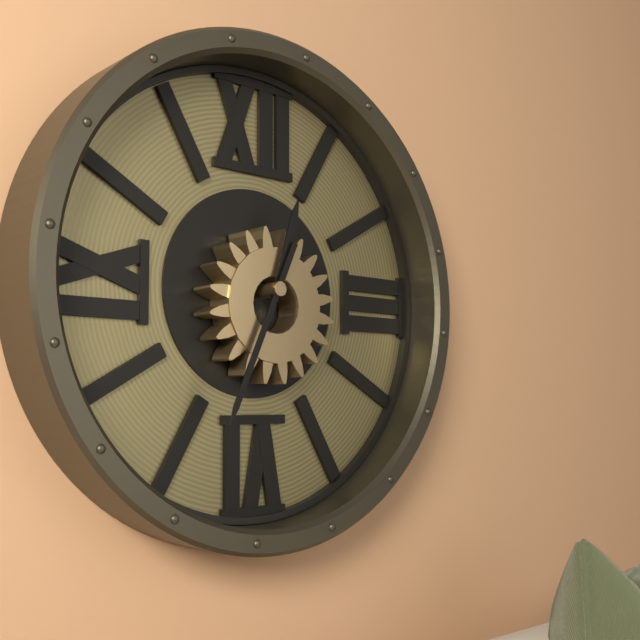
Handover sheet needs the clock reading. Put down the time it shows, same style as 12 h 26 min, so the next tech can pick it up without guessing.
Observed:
12 h 34 min
